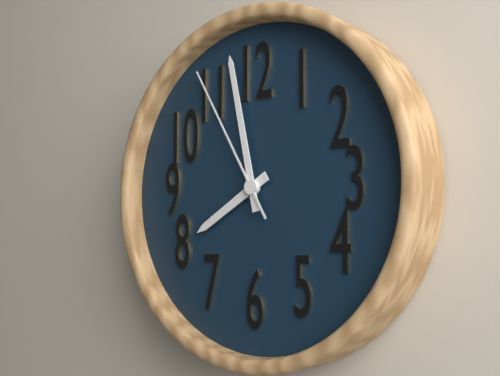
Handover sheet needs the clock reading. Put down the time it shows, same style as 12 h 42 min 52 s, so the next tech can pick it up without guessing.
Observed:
7 h 58 min 55 s
